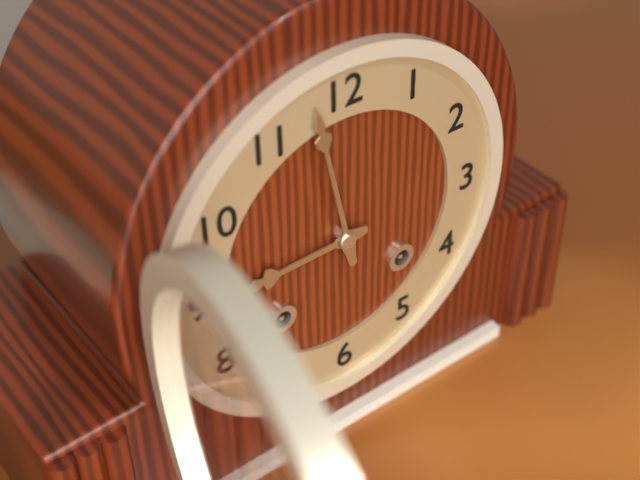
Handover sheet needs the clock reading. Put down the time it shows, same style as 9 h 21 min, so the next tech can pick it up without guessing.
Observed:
8 h 58 min
